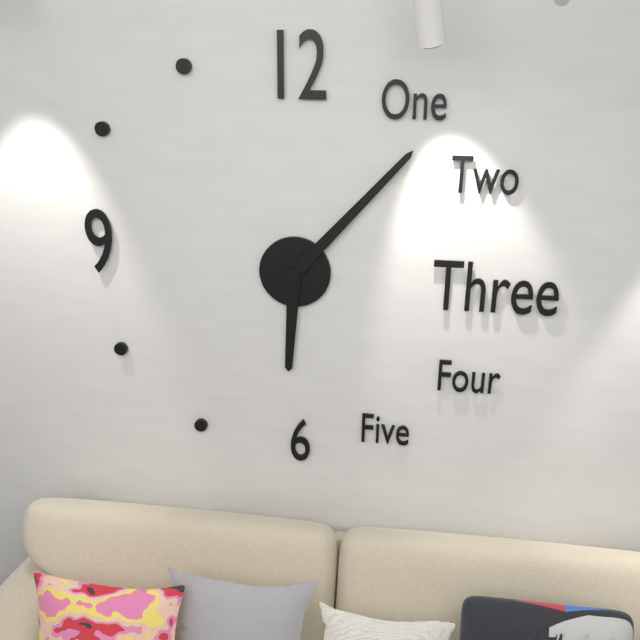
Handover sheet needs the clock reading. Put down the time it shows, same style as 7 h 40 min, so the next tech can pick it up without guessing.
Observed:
6 h 07 min
